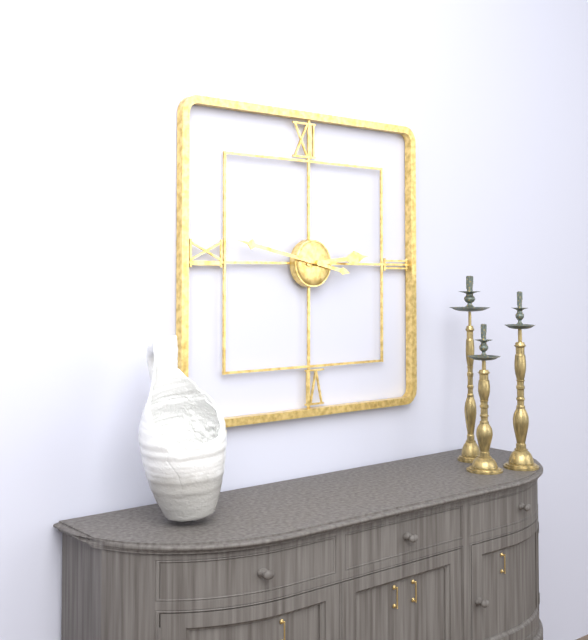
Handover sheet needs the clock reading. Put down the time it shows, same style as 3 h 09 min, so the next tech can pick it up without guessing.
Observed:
2 h 47 min
